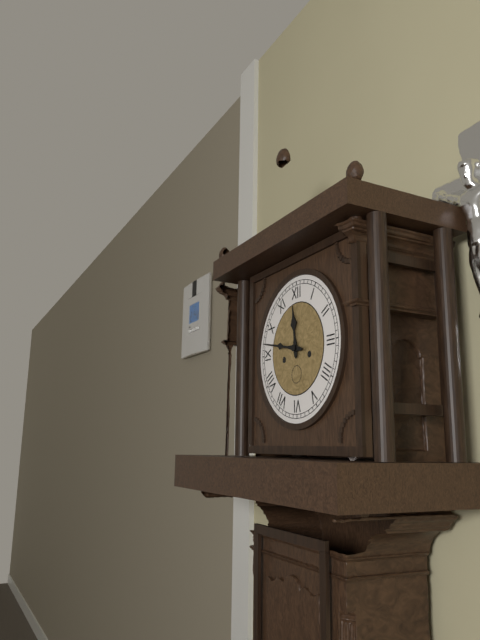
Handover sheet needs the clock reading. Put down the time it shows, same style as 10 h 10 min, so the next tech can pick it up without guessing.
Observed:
11 h 47 min
